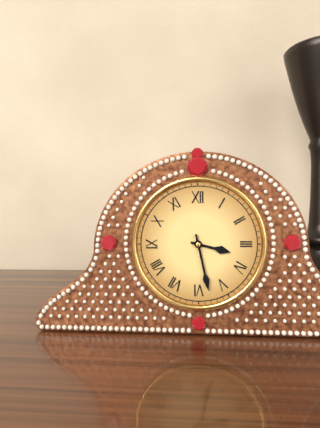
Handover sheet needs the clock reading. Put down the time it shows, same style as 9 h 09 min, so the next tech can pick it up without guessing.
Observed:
3 h 28 min
